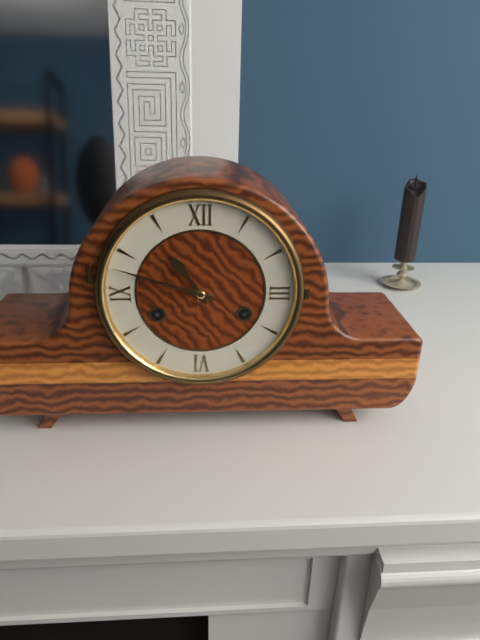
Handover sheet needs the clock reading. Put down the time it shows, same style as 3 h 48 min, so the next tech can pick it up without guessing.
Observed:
10 h 48 min
